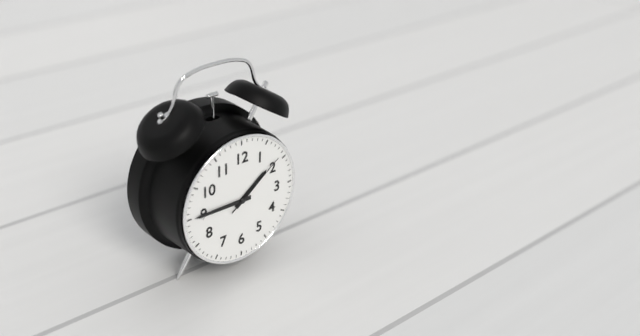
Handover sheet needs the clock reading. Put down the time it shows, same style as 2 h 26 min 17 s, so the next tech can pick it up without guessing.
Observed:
1 h 45 min 09 s
